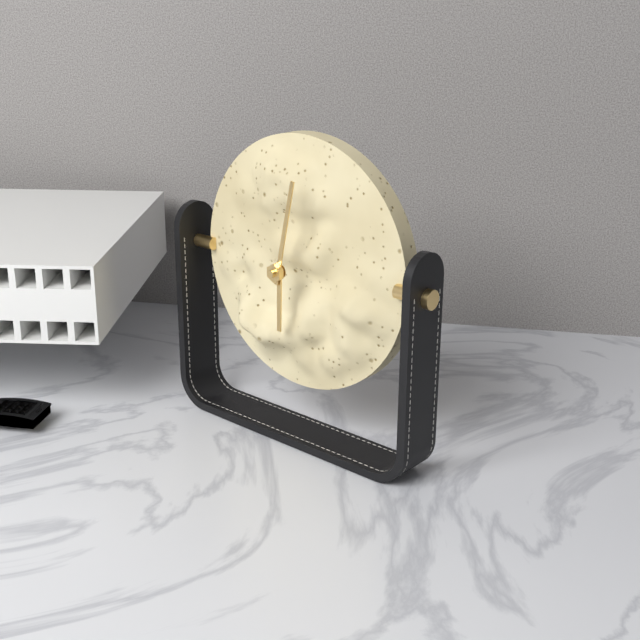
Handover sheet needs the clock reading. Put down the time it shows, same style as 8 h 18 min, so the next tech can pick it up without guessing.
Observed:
6 h 02 min
